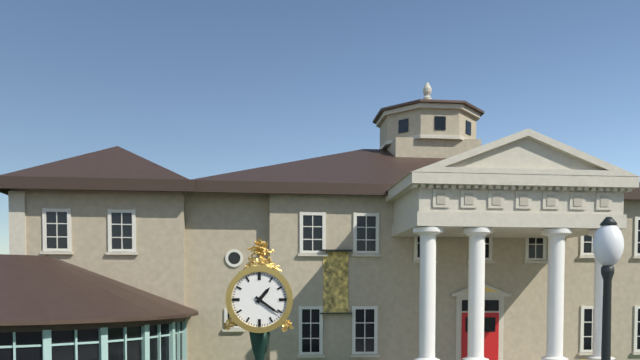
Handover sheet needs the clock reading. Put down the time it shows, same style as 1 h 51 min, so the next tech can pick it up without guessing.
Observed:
1 h 21 min
